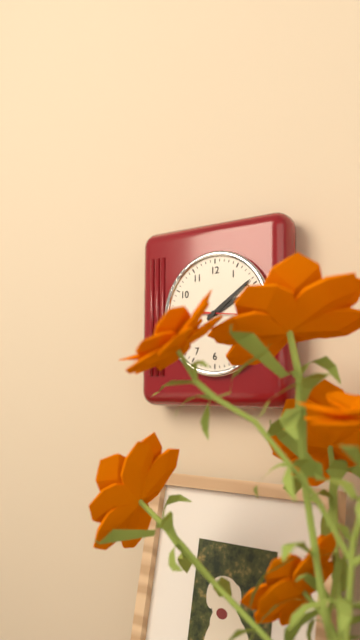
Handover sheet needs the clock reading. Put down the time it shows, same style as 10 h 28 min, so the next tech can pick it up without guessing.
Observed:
2 h 09 min
